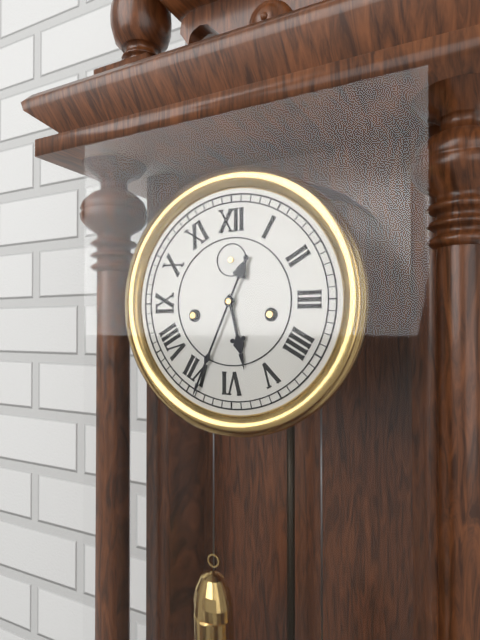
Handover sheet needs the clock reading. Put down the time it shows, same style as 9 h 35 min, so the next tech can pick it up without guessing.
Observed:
5 h 34 min
